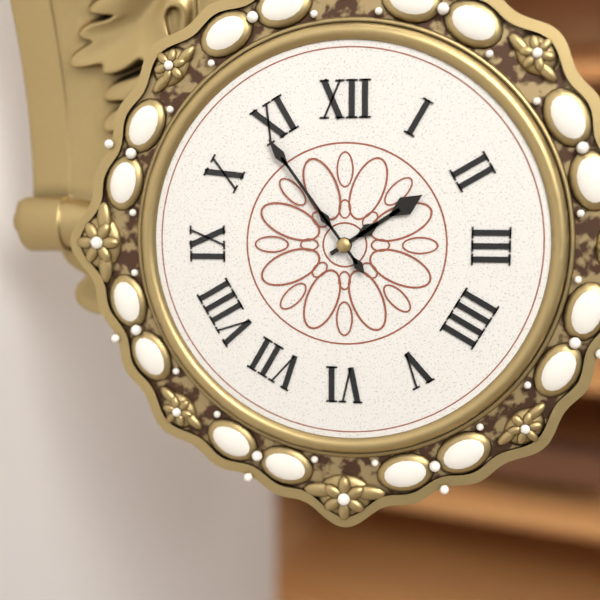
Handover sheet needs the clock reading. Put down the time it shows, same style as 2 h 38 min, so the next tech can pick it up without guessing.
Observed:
1 h 54 min
